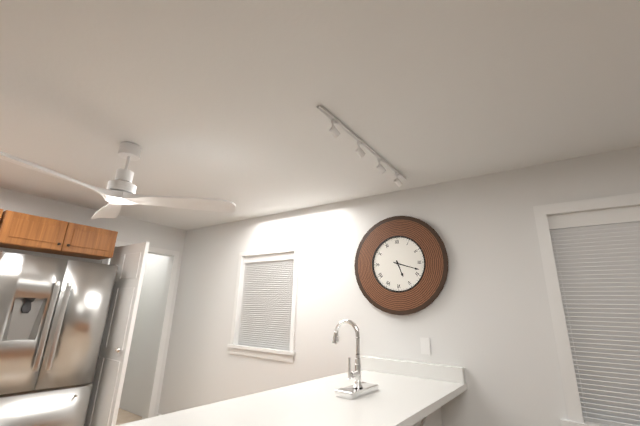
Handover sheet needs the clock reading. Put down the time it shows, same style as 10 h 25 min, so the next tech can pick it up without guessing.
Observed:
5 h 18 min
